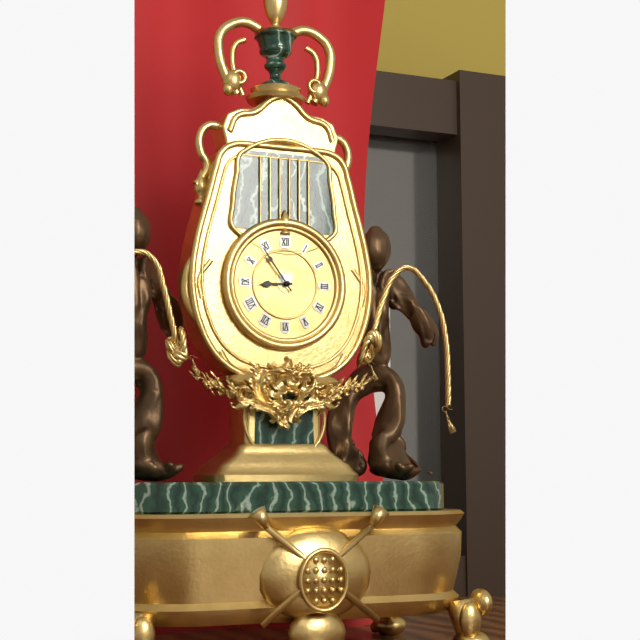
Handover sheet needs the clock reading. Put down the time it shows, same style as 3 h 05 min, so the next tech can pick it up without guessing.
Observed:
8 h 54 min
